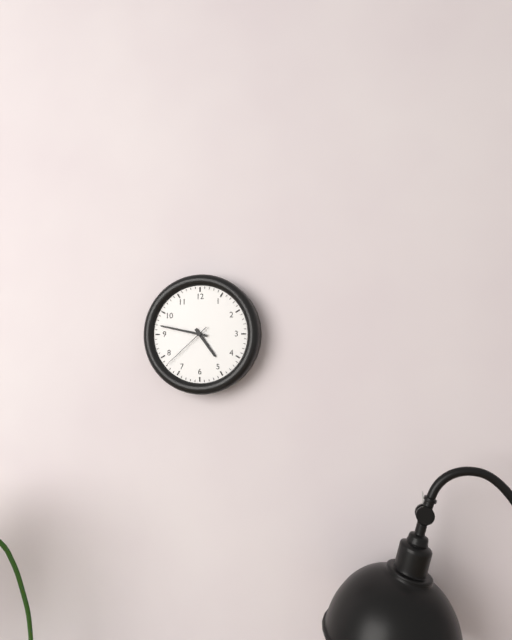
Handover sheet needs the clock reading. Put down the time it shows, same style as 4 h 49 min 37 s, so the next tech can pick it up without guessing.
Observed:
4 h 47 min 38 s
